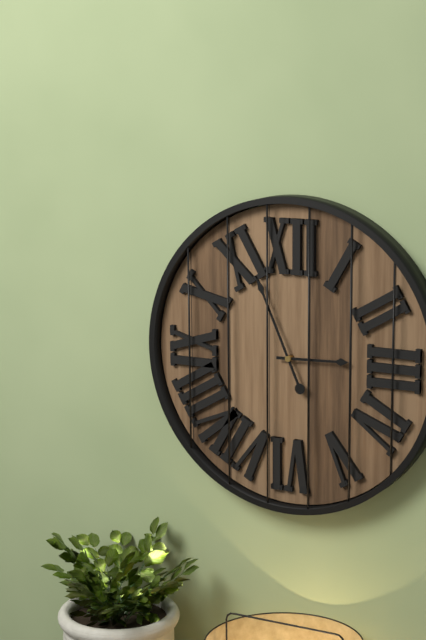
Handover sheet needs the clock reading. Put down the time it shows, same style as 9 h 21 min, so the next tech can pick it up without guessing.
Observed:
2 h 56 min
